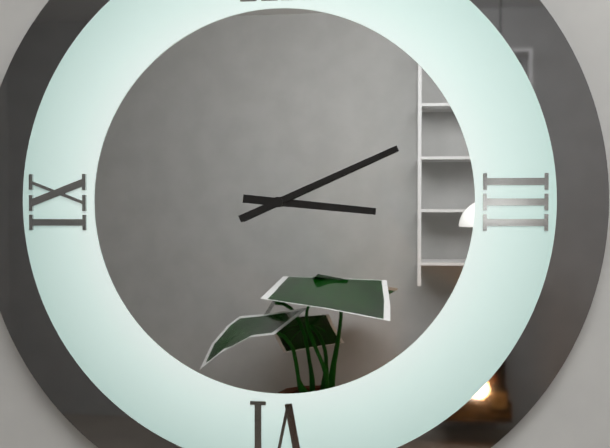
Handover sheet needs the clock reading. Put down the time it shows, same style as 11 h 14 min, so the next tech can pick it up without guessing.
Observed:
3 h 11 min
